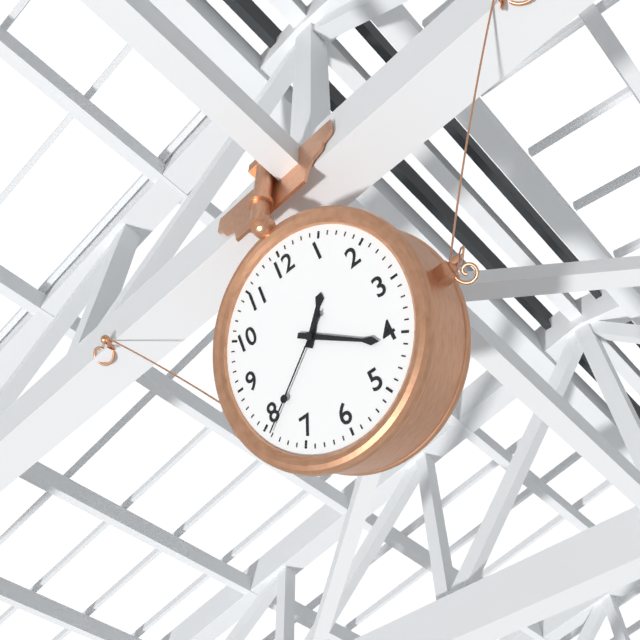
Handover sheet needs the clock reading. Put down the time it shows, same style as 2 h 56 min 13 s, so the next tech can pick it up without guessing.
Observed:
1 h 21 min 39 s
